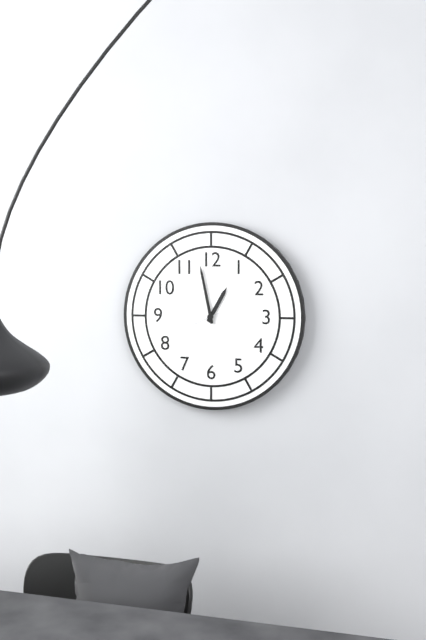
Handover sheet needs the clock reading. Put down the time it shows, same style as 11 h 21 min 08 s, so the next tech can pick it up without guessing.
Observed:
12 h 58 min 41 s
